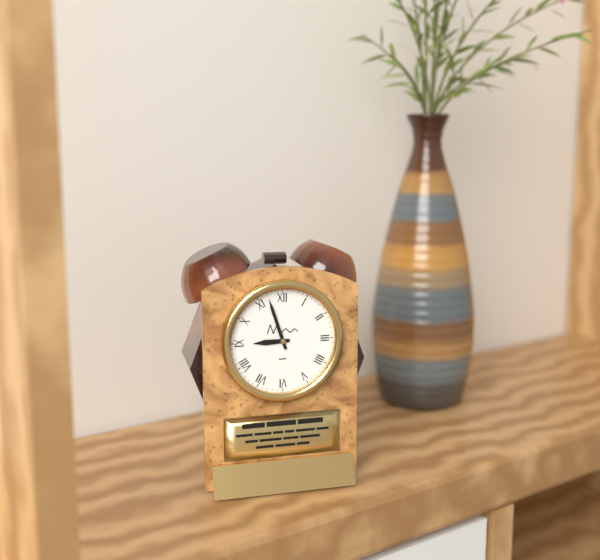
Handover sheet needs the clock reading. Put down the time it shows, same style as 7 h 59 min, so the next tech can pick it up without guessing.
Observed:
8 h 57 min
